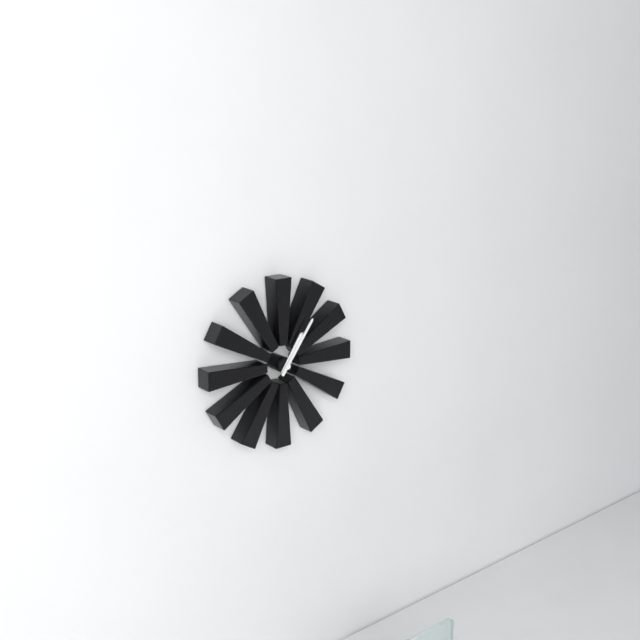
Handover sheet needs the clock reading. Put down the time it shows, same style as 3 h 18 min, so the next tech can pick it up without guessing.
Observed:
1 h 06 min
